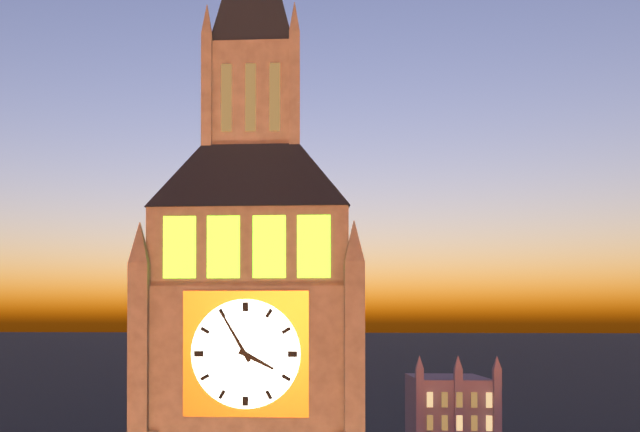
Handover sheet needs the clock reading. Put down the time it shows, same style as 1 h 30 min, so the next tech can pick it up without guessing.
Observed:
3 h 55 min
